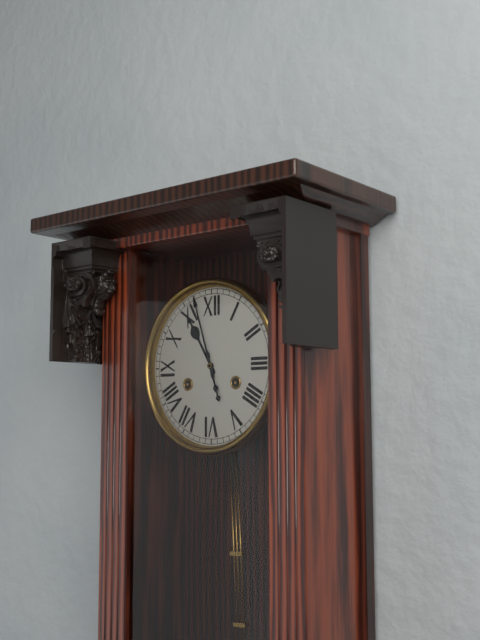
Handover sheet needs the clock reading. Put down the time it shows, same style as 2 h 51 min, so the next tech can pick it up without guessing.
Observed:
10 h 57 min
